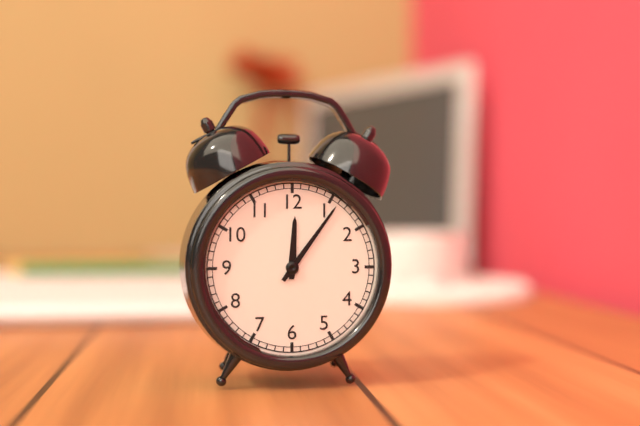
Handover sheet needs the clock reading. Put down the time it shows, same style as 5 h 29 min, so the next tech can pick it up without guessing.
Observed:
12 h 06 min
